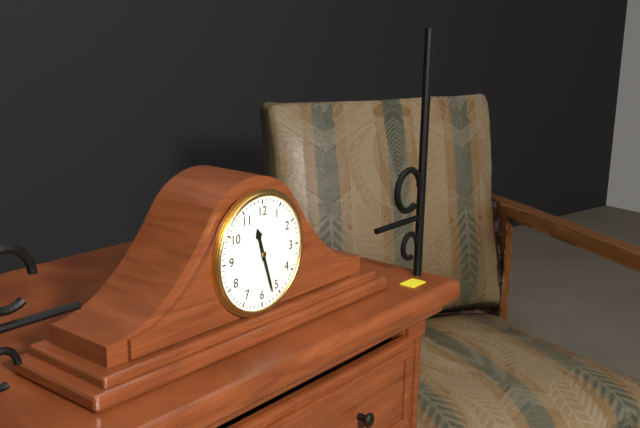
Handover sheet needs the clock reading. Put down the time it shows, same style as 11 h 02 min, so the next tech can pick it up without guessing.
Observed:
11 h 27 min
